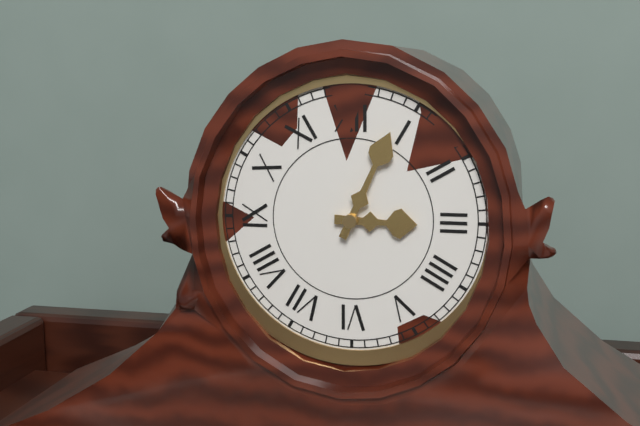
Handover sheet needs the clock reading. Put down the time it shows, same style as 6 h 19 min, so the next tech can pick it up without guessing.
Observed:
3 h 04 min
